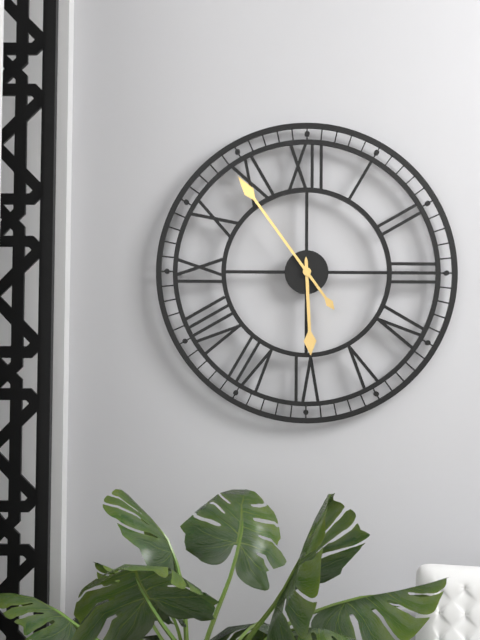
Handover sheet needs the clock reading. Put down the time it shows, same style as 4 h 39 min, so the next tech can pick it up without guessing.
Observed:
5 h 54 min
